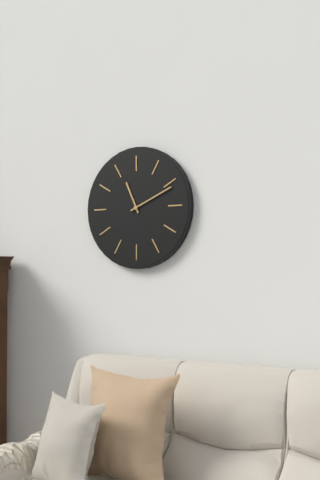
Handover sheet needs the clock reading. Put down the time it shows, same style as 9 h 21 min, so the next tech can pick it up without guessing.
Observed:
11 h 11 min
